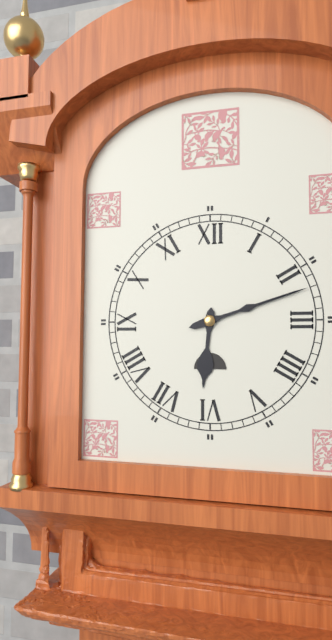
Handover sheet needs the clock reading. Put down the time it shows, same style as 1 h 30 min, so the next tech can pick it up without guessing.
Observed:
6 h 12 min
